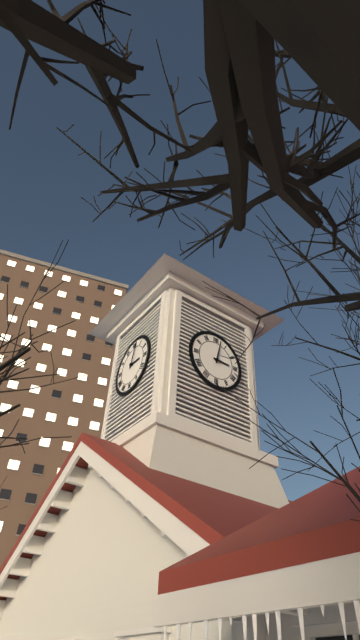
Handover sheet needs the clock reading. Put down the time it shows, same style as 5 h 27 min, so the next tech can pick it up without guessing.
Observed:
3 h 02 min
